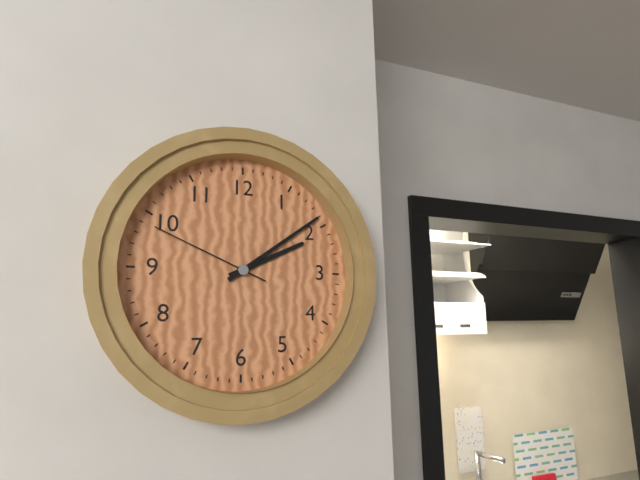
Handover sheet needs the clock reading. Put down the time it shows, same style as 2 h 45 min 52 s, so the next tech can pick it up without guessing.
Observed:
2 h 09 min 49 s
